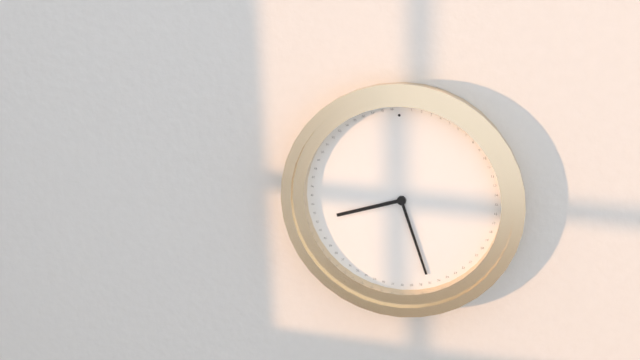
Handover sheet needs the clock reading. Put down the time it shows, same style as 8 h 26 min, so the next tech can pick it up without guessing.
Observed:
8 h 27 min
